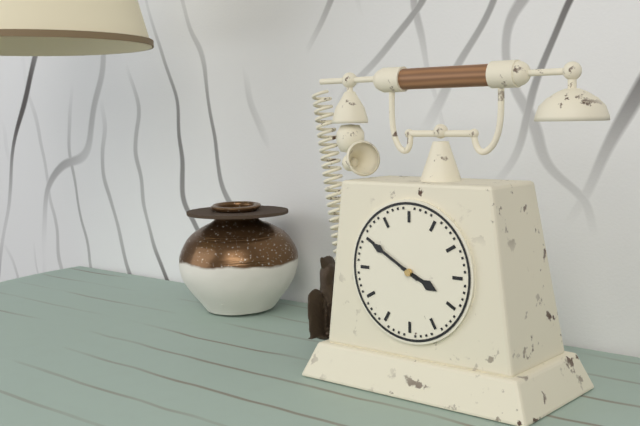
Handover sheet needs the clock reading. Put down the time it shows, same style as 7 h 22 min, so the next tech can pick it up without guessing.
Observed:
3 h 50 min
